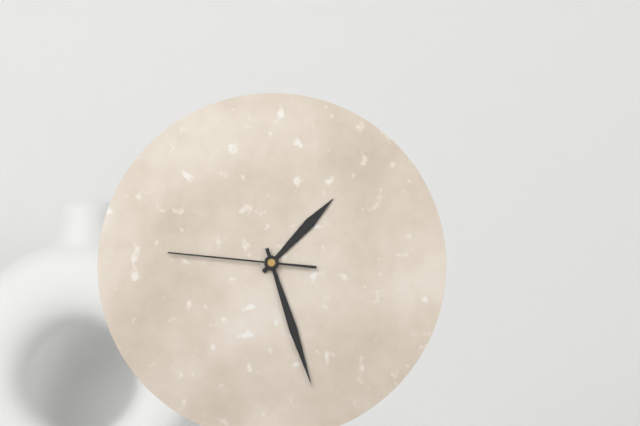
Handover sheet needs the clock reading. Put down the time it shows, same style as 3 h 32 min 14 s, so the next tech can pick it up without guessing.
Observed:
1 h 27 min 46 s
